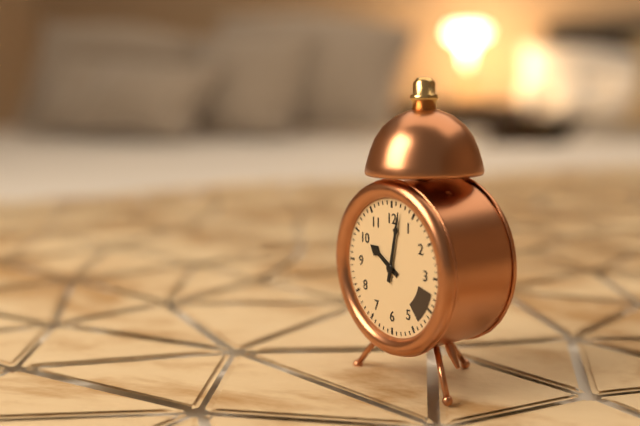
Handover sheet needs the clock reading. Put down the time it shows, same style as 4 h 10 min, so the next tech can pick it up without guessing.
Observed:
10 h 02 min
